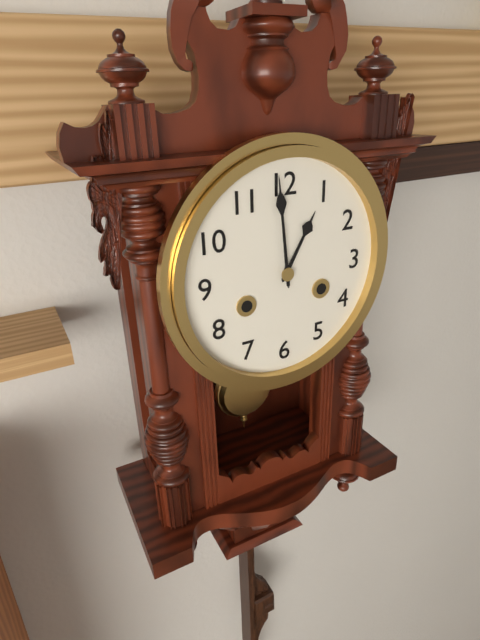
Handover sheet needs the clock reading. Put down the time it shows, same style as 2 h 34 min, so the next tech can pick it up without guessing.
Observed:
12 h 59 min
